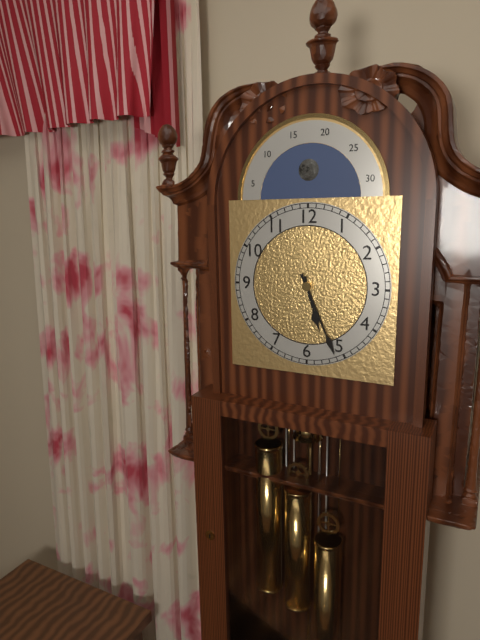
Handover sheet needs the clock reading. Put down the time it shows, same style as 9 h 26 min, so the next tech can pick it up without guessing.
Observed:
5 h 26 min
